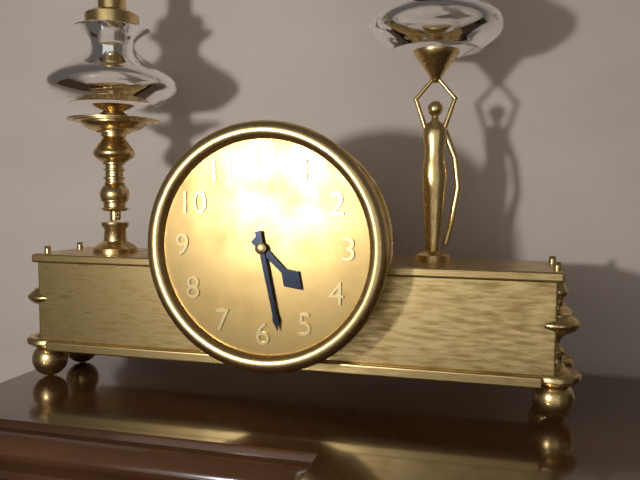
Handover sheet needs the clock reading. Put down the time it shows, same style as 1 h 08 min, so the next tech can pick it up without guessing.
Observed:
4 h 28 min
